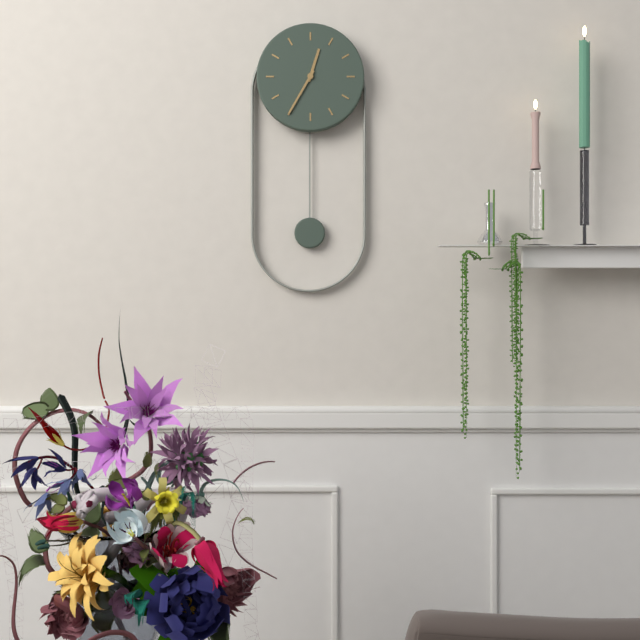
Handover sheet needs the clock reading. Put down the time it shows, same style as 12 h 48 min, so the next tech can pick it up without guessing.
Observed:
12 h 35 min
